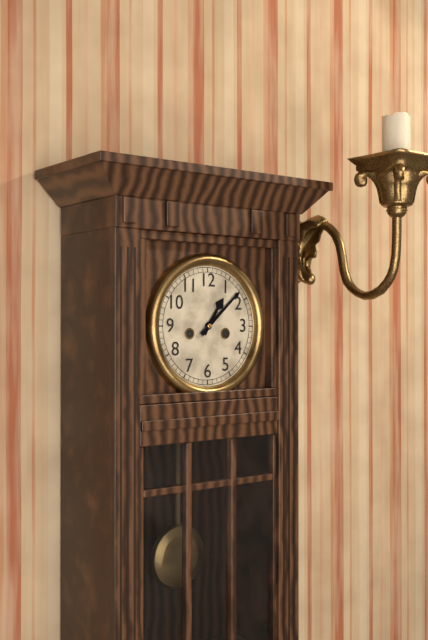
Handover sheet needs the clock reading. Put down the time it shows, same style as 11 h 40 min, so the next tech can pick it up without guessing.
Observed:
1 h 08 min
